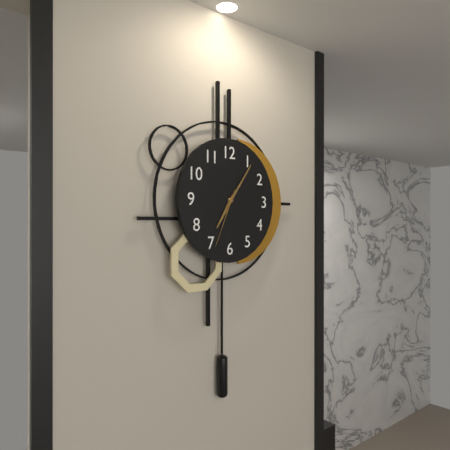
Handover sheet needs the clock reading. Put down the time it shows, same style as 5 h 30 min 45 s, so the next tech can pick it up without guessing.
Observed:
7 h 06 min 34 s
